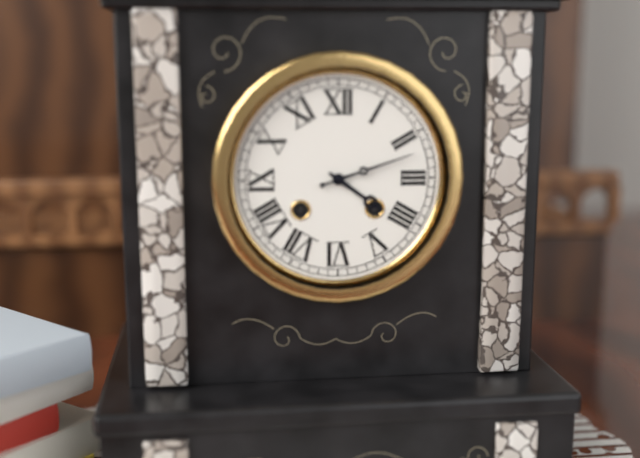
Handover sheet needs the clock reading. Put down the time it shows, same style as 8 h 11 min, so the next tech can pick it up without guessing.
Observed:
4 h 12 min
